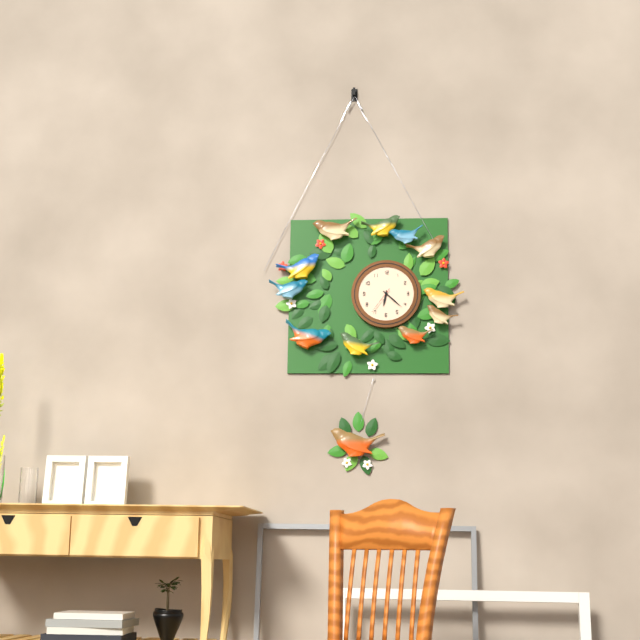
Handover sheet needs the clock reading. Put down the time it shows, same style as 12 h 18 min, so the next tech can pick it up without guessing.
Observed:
6 h 22 min
